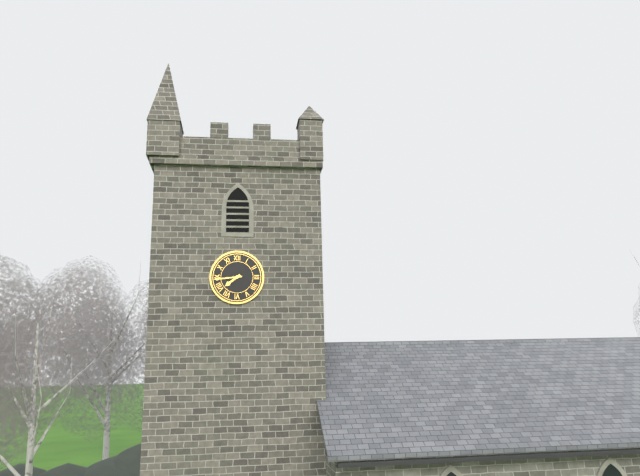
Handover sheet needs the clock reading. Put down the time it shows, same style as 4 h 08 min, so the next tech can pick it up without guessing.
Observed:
7 h 44 min
